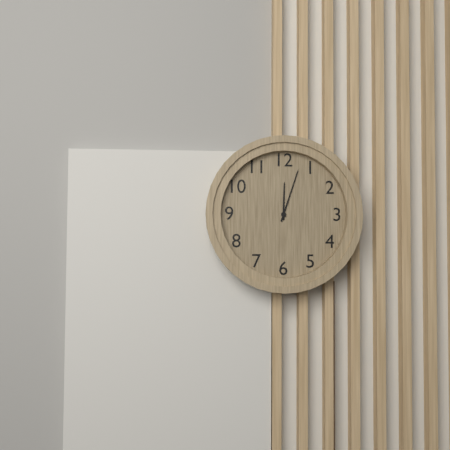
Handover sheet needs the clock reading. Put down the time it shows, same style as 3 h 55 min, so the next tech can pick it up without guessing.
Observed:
12 h 03 min
